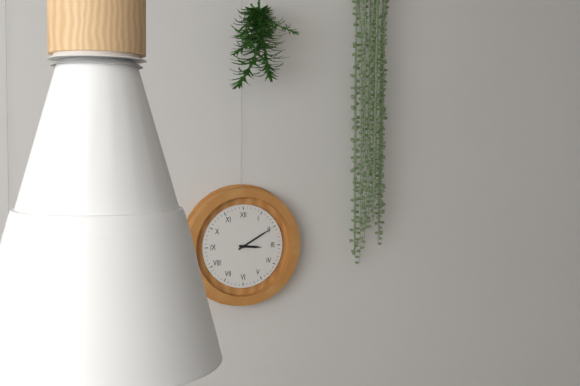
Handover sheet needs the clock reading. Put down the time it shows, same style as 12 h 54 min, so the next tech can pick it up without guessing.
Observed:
3 h 10 min
